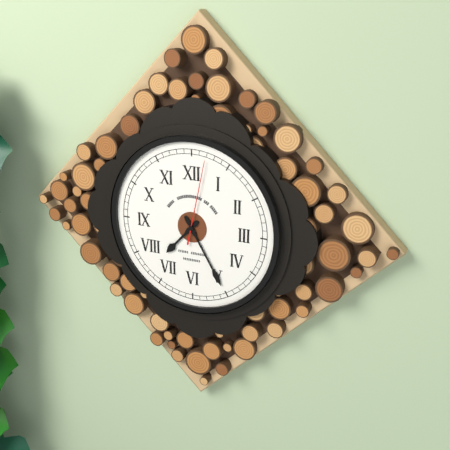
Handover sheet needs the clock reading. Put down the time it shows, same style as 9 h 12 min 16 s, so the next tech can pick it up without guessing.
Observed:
7 h 25 min 02 s
